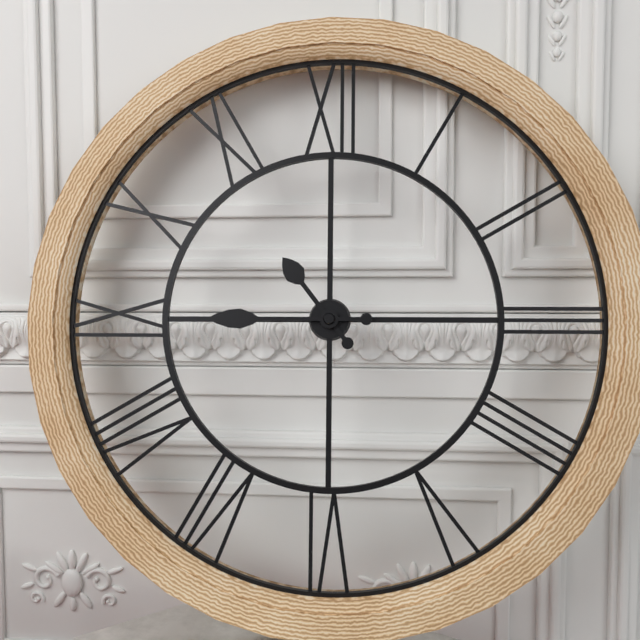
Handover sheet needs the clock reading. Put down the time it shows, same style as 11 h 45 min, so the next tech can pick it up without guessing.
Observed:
10 h 45 min
